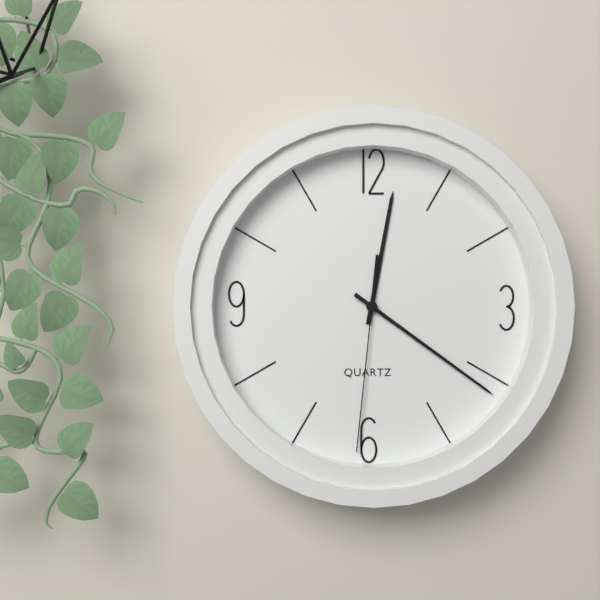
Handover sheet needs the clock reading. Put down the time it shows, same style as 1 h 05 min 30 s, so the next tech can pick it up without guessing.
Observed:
12 h 21 min 31 s
